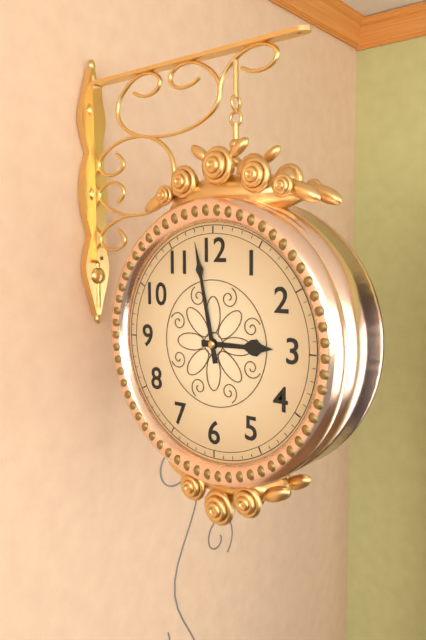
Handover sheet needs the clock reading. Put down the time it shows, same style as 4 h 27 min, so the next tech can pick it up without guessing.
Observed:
2 h 58 min
